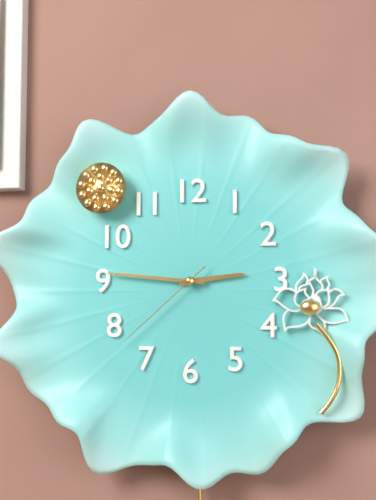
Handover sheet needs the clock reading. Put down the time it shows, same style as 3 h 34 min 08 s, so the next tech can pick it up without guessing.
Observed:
2 h 46 min 38 s
